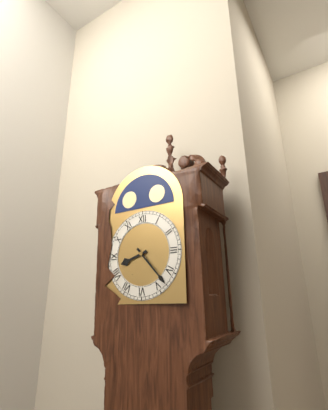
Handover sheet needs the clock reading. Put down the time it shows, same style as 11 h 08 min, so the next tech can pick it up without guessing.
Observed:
8 h 23 min
